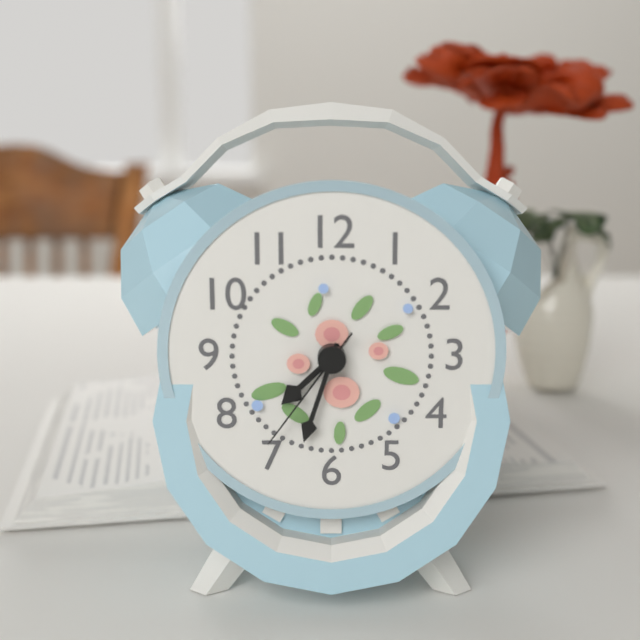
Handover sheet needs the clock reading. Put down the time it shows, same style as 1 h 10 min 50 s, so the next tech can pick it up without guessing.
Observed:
7 h 33 min 36 s
